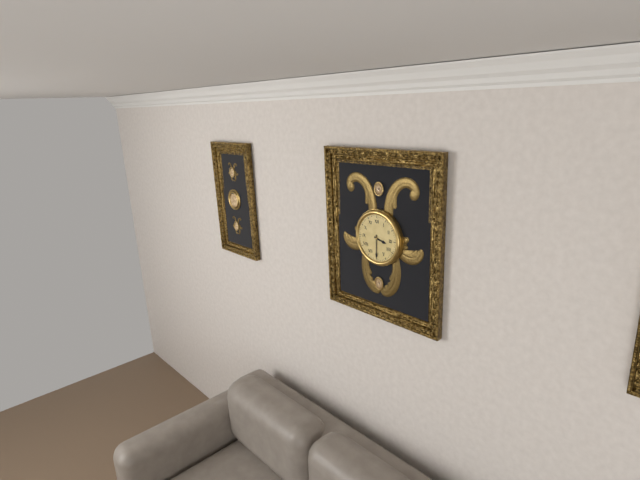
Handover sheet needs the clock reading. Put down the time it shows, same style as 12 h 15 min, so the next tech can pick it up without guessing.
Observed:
3 h 30 min
